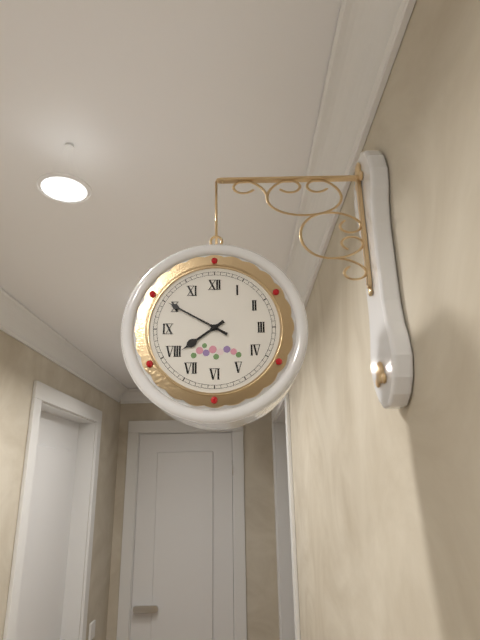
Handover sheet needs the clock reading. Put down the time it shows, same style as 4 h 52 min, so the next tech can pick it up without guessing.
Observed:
7 h 50 min
